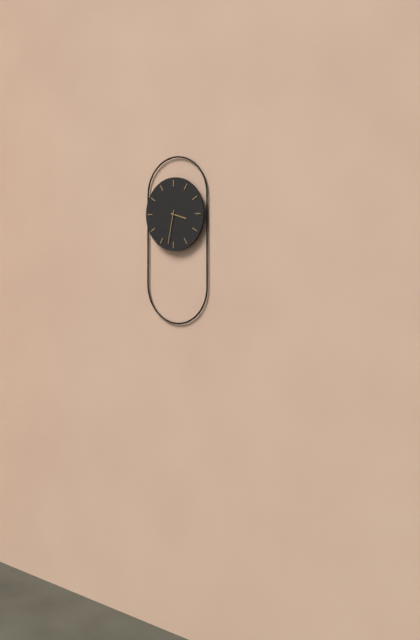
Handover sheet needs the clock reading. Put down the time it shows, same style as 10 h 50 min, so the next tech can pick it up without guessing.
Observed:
3 h 32 min
